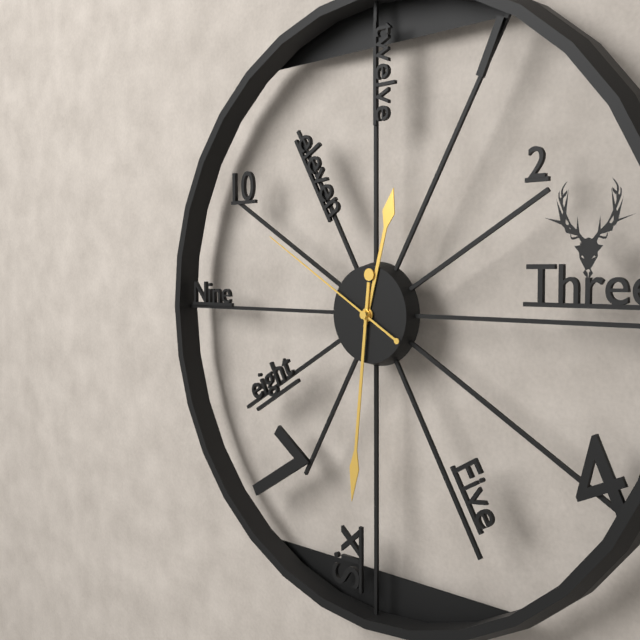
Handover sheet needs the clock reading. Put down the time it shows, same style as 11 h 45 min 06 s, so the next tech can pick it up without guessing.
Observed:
12 h 31 min 50 s
